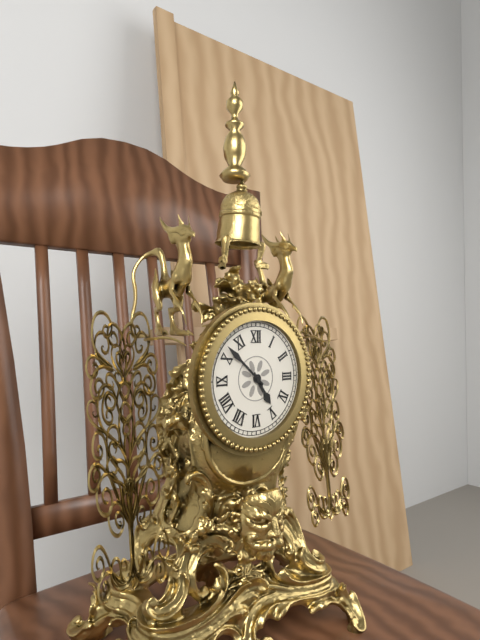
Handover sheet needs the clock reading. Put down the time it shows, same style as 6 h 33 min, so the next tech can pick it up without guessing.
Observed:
4 h 52 min
